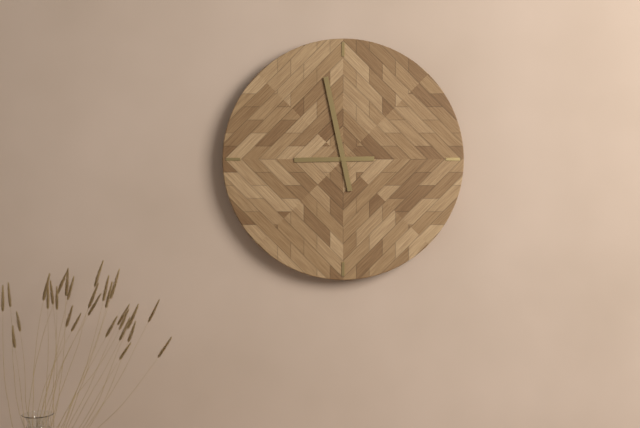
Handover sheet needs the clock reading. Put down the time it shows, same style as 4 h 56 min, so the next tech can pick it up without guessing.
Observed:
8 h 58 min
